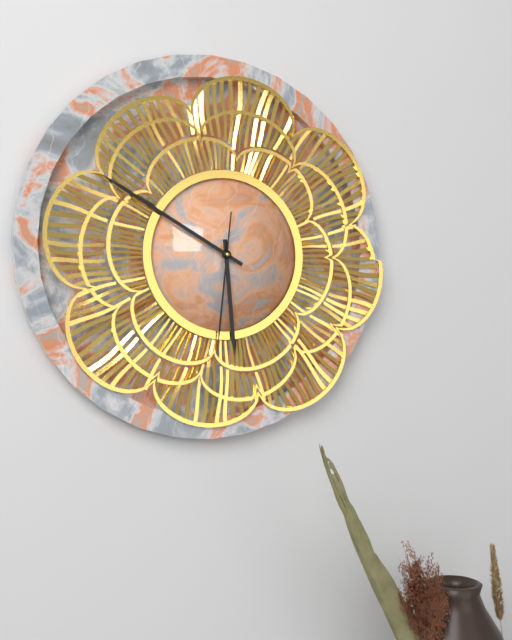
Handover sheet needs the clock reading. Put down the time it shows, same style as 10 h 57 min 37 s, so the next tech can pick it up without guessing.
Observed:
5 h 50 min 31 s
